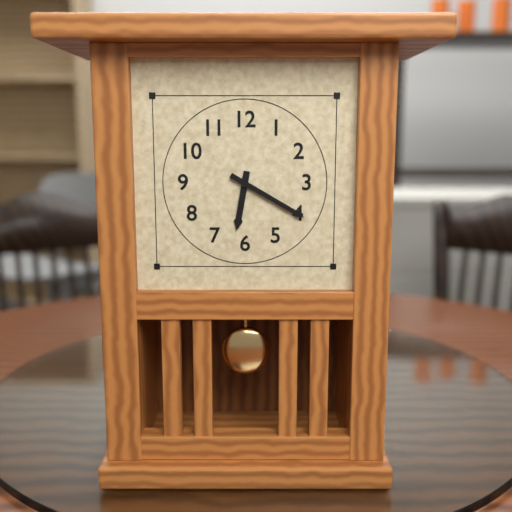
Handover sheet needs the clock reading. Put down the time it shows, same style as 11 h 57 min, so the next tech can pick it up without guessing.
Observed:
6 h 20 min
